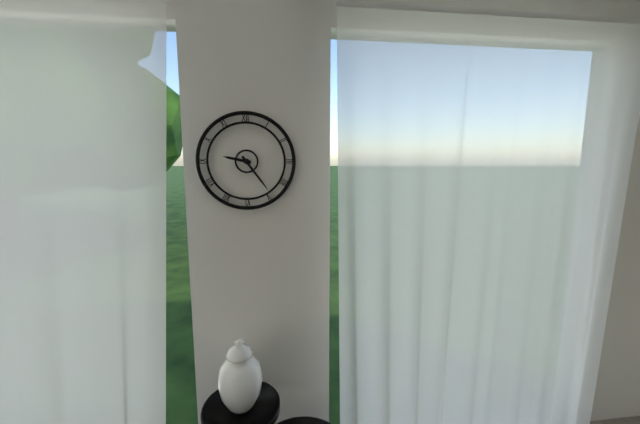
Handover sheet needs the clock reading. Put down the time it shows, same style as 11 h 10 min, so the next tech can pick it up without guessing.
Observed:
9 h 24 min
